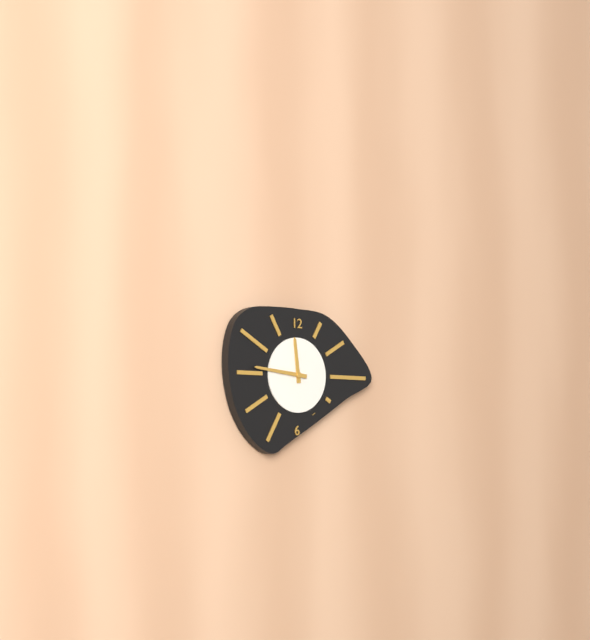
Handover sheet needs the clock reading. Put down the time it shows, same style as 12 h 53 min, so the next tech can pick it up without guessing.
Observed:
11 h 46 min
